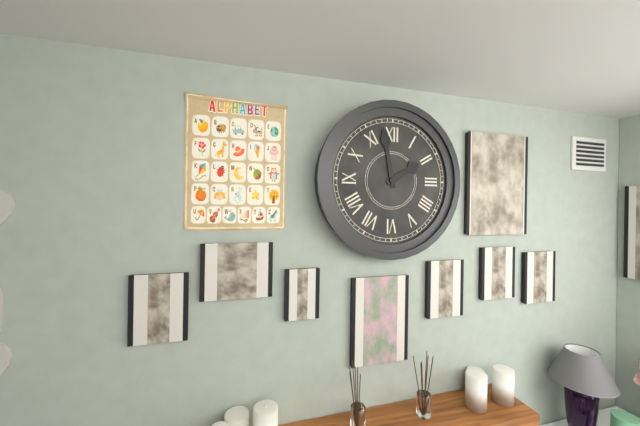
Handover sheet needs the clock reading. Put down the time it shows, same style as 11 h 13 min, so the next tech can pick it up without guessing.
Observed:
1 h 58 min
